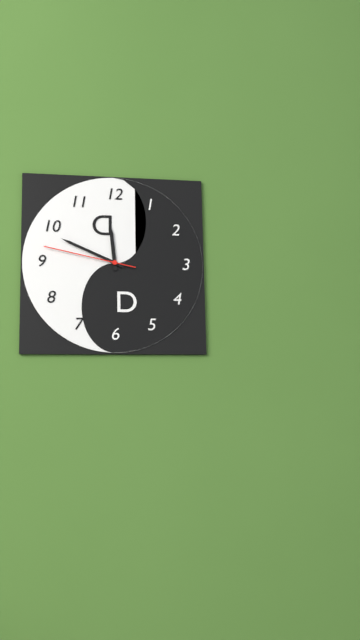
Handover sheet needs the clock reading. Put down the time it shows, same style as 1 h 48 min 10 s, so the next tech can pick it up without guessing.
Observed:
11 h 49 min 47 s
